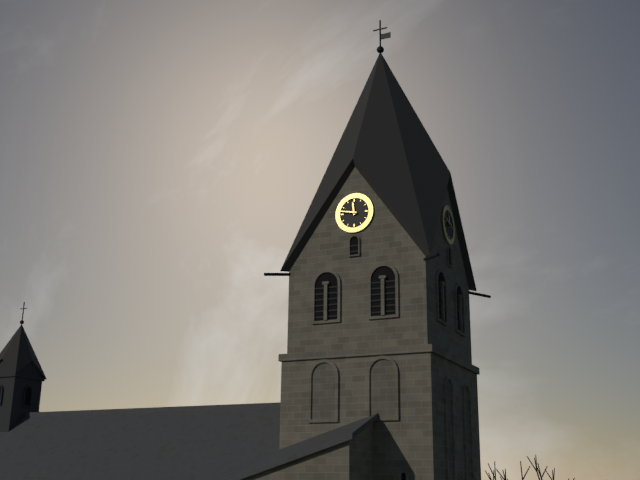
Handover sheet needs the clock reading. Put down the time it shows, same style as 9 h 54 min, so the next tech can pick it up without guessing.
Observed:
11 h 47 min
